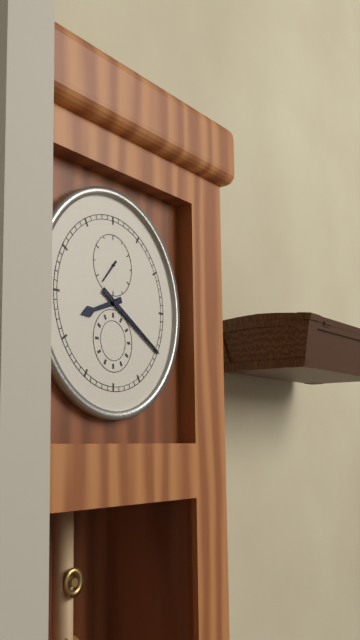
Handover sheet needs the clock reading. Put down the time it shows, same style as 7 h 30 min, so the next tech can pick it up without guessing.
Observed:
8 h 20 min
